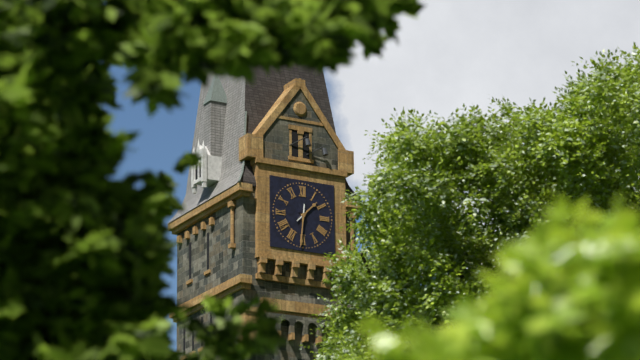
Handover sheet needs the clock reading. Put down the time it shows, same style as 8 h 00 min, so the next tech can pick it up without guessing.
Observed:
1 h 31 min
